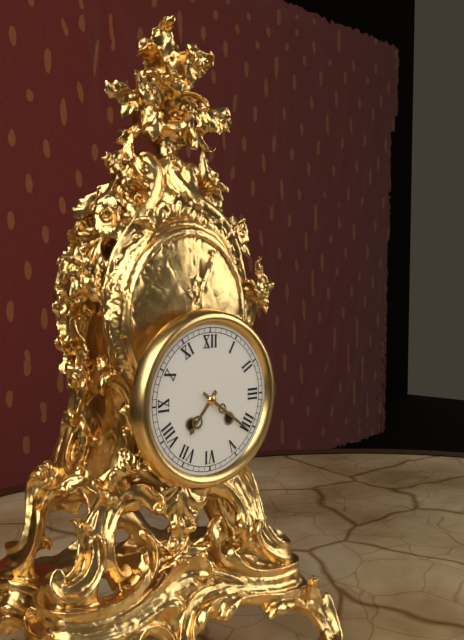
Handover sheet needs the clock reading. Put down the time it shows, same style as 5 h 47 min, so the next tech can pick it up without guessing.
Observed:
7 h 21 min
